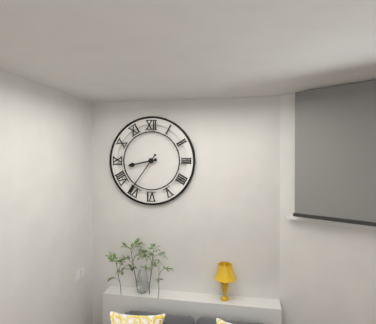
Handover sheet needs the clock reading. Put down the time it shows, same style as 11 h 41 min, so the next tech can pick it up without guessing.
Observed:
8 h 36 min
